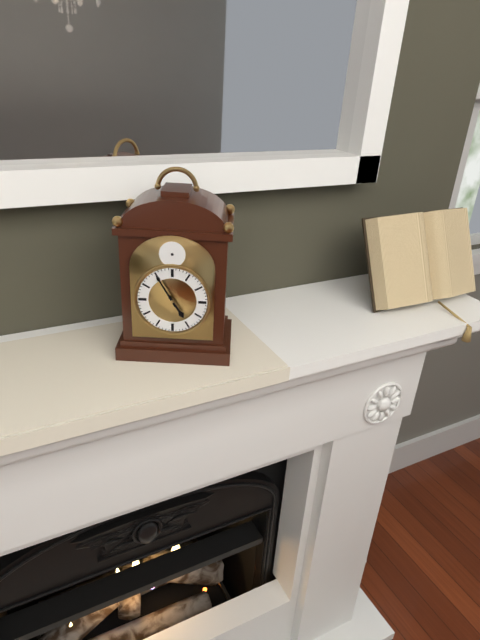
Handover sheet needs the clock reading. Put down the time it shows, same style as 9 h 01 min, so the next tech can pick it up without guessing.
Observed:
4 h 55 min
